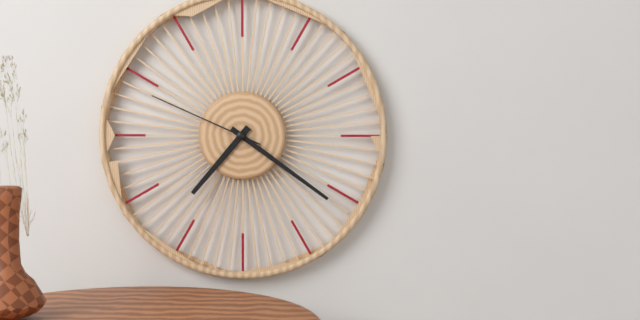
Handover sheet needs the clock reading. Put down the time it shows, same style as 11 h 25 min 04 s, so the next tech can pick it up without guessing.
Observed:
7 h 21 min 49 s
